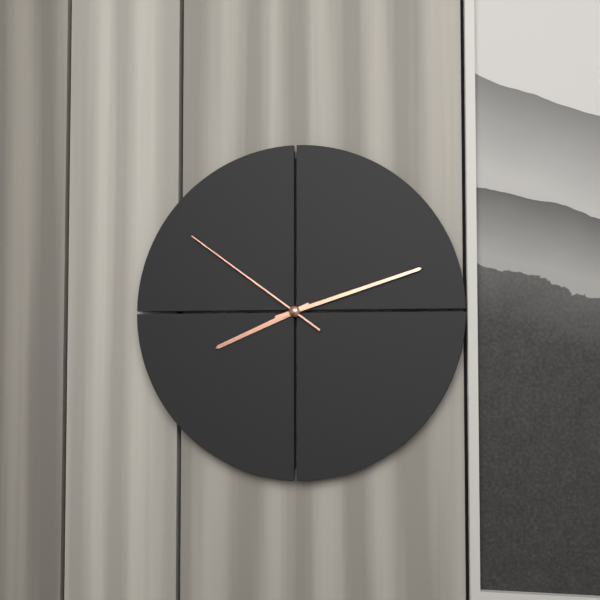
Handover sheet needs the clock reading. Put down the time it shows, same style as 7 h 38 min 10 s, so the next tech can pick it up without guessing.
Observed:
8 h 12 min 51 s
